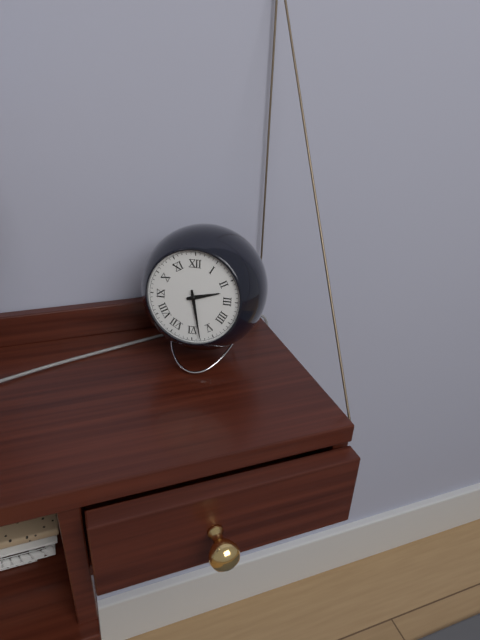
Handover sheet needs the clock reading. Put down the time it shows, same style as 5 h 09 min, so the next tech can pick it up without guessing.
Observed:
2 h 28 min
